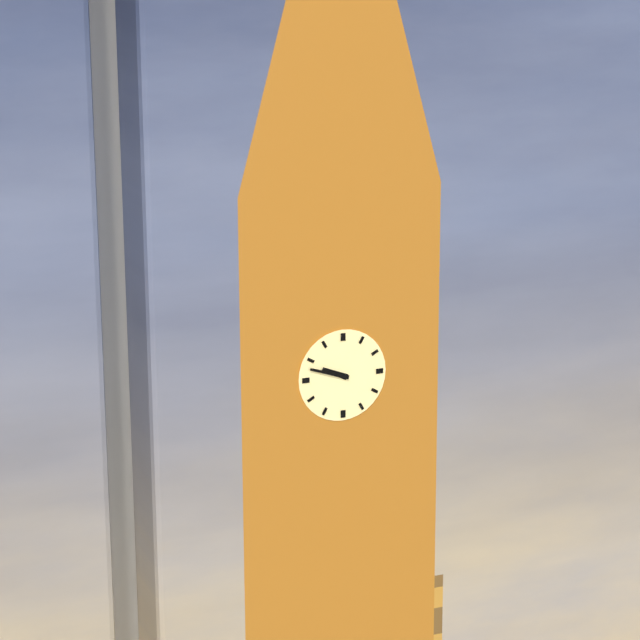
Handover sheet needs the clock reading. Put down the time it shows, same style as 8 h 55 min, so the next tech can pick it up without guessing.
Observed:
9 h 48 min
